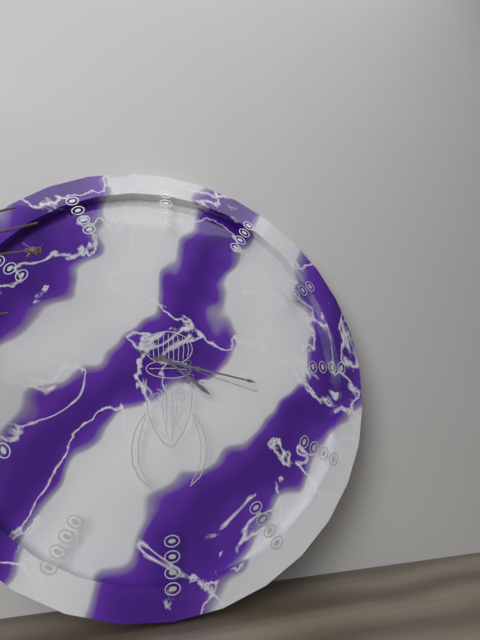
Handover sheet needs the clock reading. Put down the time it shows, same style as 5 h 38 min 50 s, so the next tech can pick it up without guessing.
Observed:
4 h 17 min 18 s
